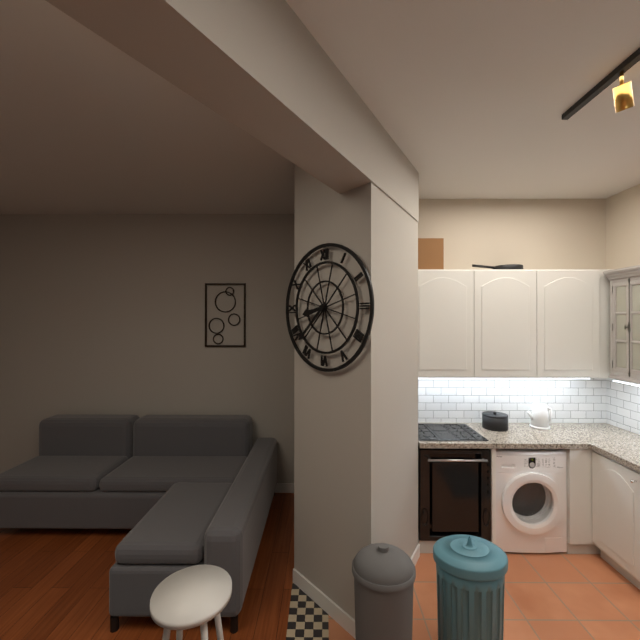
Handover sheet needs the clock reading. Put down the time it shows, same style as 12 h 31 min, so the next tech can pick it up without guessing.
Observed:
8 h 38 min
